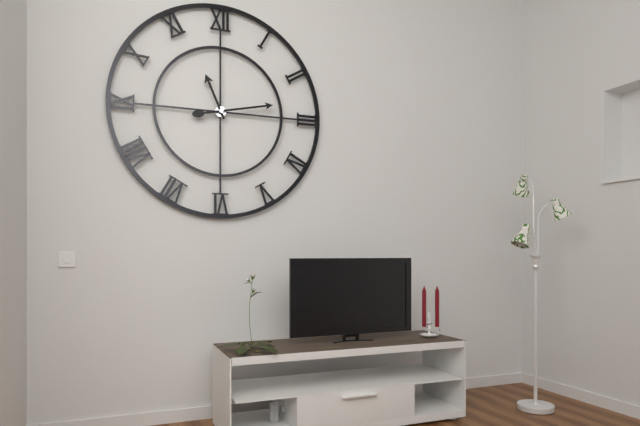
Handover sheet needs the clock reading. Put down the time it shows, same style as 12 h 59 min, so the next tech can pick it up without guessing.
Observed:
11 h 13 min
